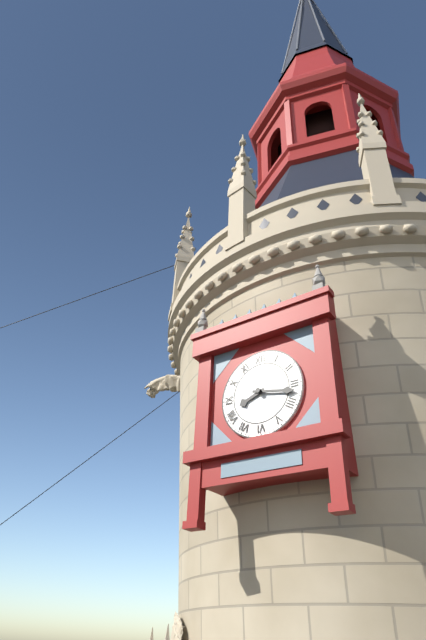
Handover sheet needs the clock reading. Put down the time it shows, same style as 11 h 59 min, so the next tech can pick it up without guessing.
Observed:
8 h 17 min
